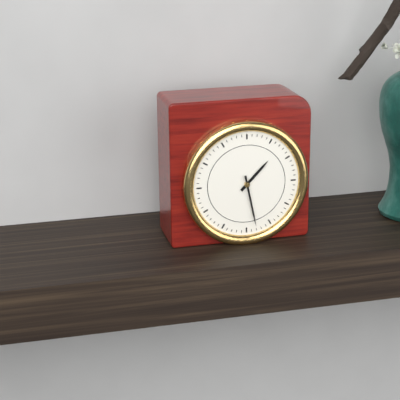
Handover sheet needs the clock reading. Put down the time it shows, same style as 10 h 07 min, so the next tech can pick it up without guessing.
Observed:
1 h 28 min
